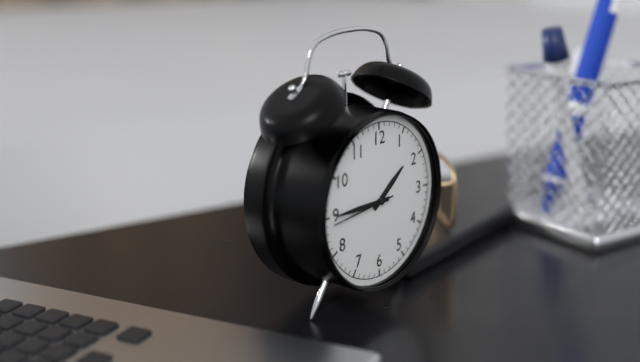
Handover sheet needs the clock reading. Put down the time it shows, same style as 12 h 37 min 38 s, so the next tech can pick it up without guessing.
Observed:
1 h 45 min 44 s
